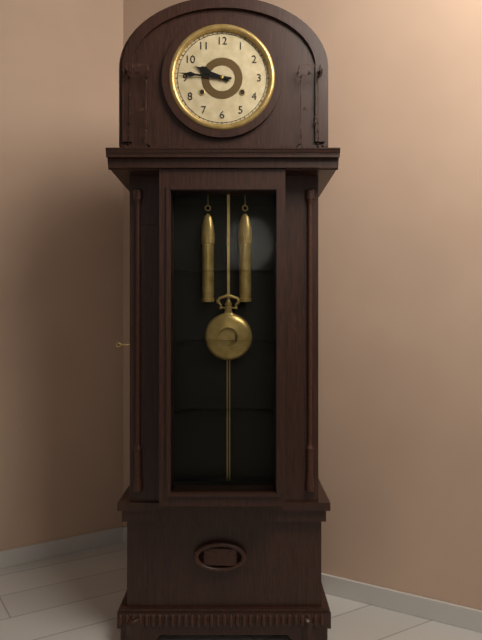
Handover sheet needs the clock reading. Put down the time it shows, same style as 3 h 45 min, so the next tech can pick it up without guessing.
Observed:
9 h 46 min
